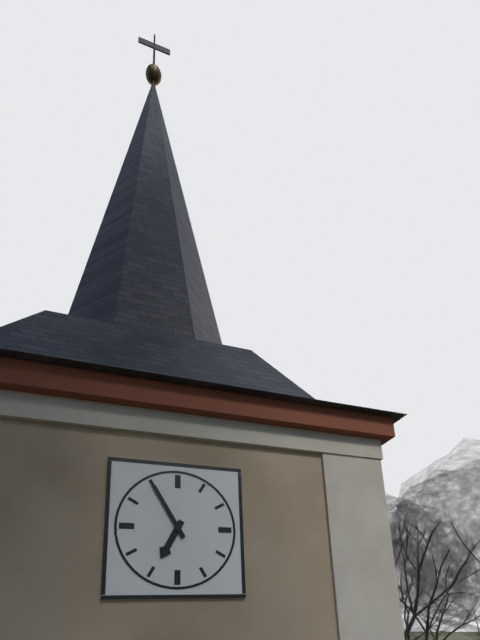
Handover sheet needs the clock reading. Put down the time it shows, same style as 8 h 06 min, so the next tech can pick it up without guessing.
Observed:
6 h 55 min
